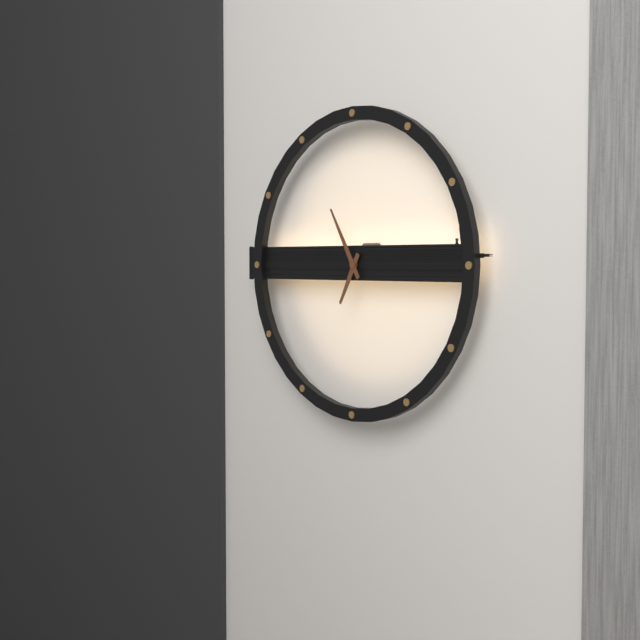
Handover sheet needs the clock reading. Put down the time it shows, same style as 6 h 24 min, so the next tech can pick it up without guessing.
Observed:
6 h 55 min
